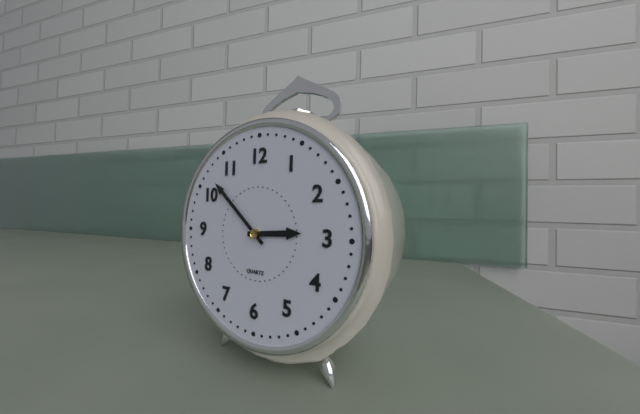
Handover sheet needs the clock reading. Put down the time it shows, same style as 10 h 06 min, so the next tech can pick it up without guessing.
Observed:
2 h 52 min
